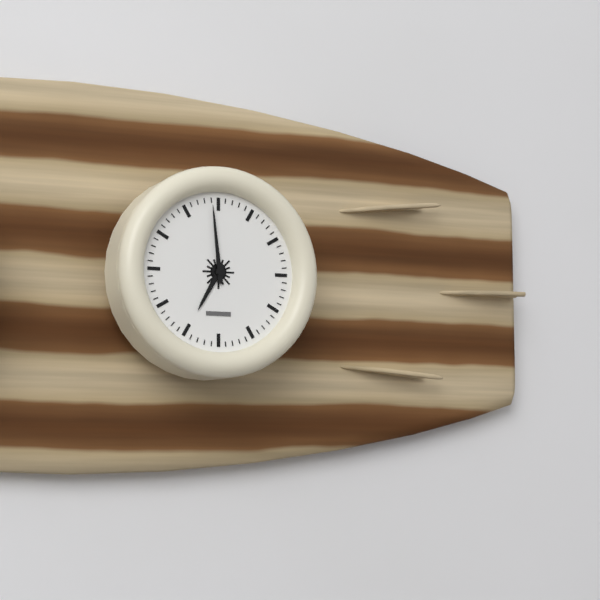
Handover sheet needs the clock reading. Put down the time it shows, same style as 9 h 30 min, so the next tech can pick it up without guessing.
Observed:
6 h 59 min
